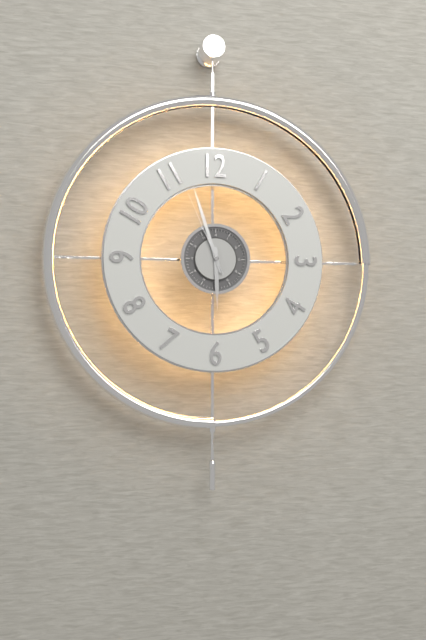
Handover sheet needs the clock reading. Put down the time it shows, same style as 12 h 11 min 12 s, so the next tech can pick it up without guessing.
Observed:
5 h 57 min 56 s
